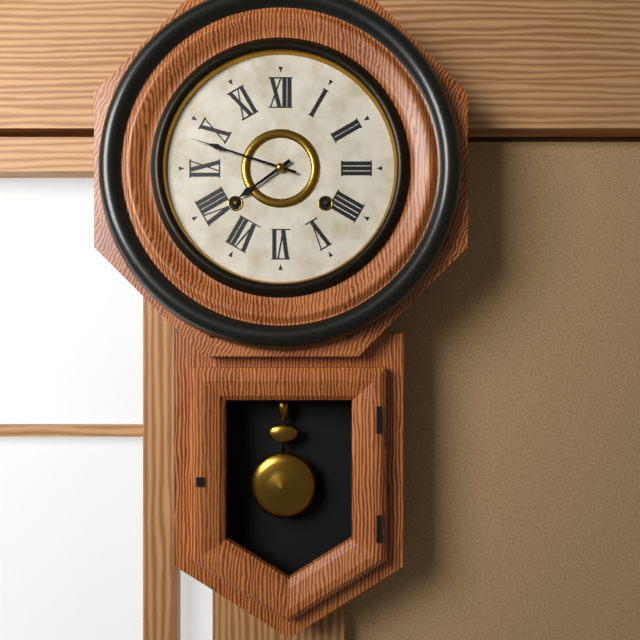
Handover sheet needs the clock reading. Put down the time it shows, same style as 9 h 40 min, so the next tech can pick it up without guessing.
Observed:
7 h 48 min
